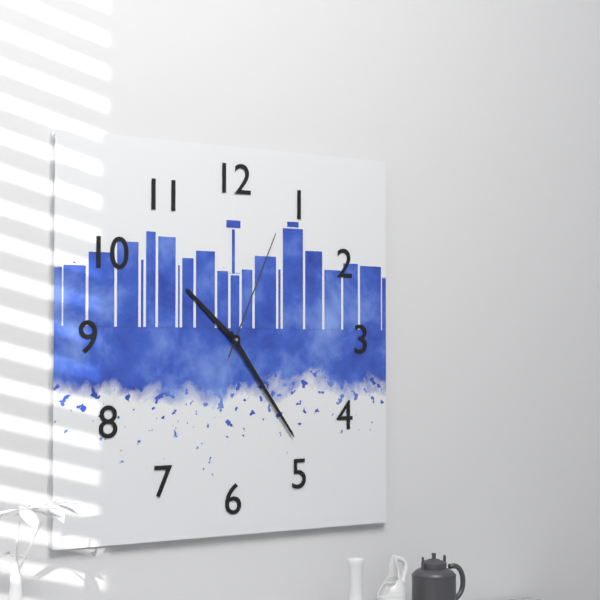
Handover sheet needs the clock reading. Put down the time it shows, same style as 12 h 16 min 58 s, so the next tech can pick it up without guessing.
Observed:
10 h 24 min 04 s
